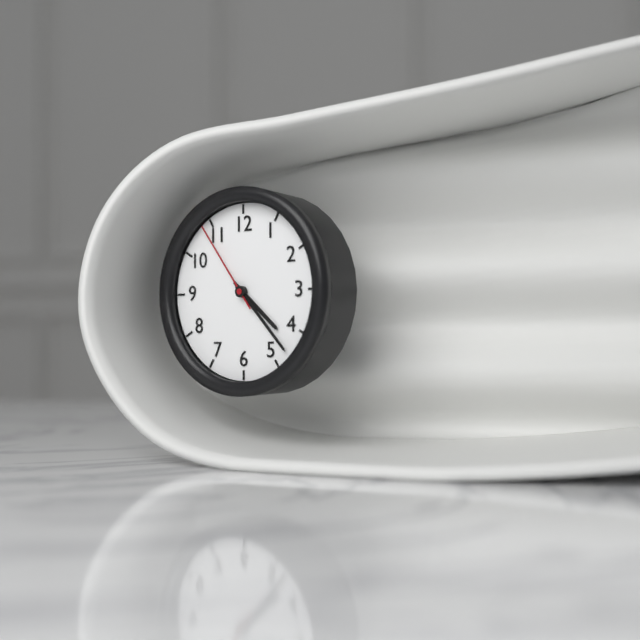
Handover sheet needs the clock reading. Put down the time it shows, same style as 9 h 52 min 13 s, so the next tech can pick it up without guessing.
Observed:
4 h 23 min 54 s
